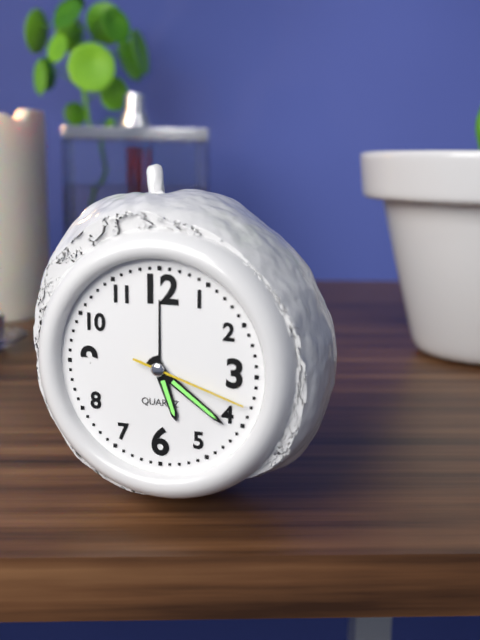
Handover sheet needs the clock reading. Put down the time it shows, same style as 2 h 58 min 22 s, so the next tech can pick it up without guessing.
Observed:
5 h 21 min 18 s
